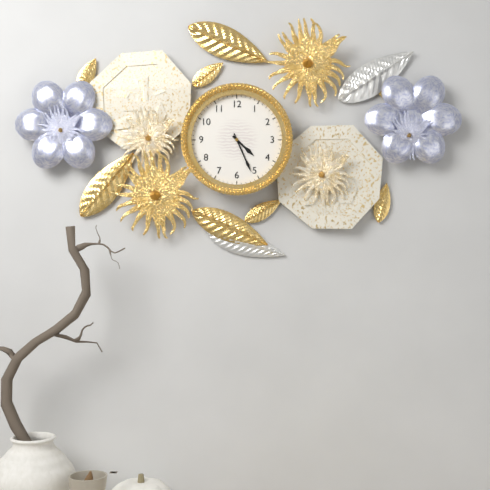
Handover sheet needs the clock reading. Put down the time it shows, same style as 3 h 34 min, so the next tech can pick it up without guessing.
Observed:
4 h 26 min
